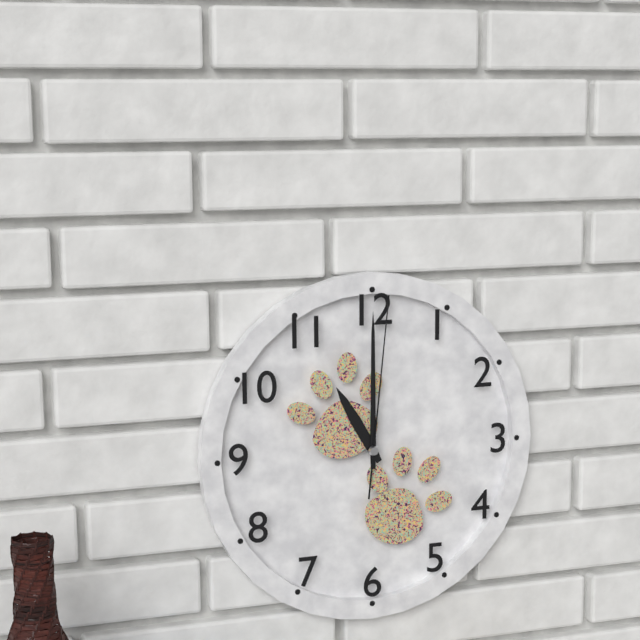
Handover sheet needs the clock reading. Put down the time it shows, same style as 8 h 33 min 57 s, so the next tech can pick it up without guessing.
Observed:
11 h 00 min 01 s
